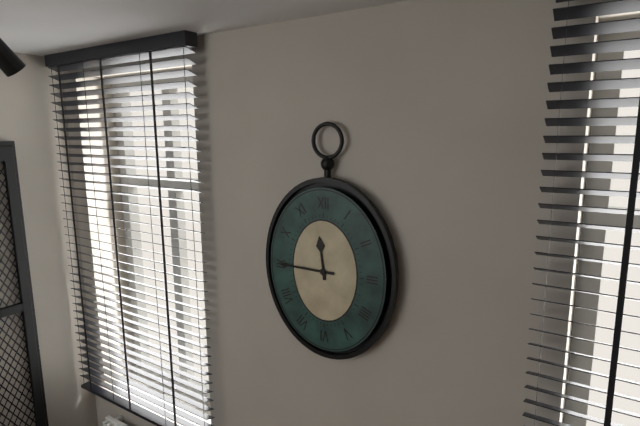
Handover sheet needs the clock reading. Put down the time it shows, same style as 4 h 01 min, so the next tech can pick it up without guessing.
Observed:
11 h 45 min
